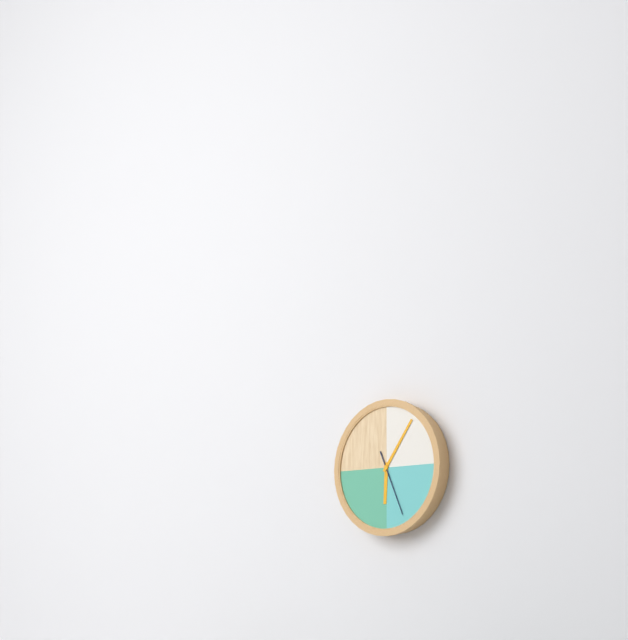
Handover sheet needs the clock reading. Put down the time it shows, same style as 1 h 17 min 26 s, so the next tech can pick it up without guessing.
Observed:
6 h 06 min 26 s
